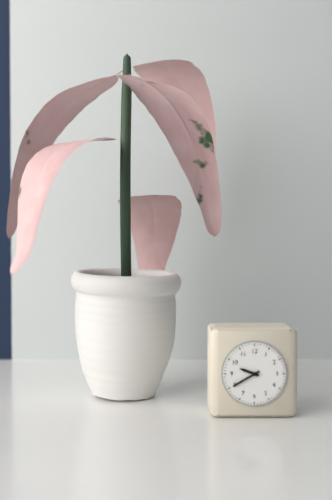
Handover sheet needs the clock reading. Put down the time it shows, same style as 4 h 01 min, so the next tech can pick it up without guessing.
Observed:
9 h 40 min
